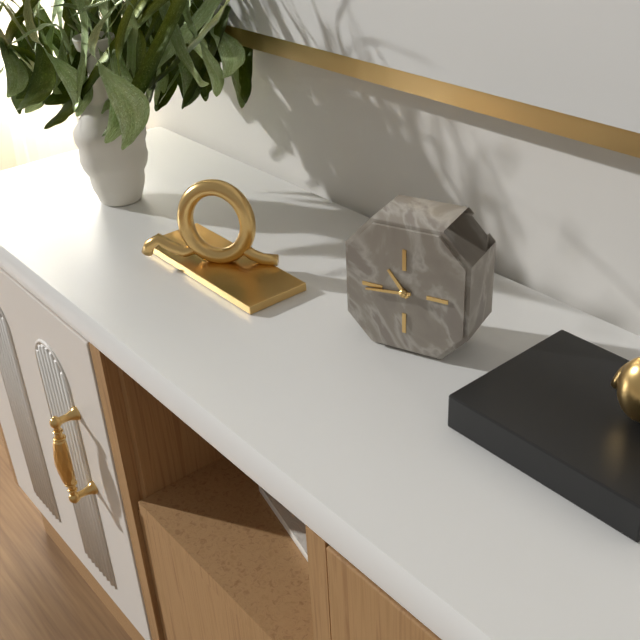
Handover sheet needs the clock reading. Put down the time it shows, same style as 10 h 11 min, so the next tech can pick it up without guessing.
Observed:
10 h 44 min
